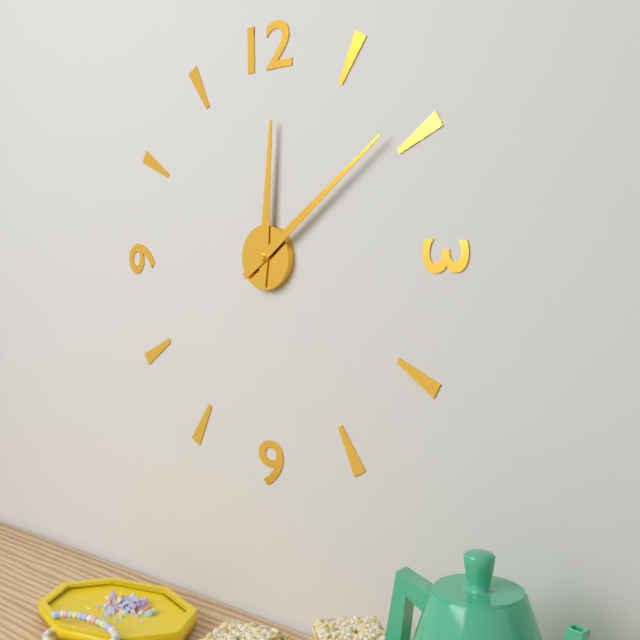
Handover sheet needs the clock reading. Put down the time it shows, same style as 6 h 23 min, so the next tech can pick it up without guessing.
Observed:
12 h 09 min
